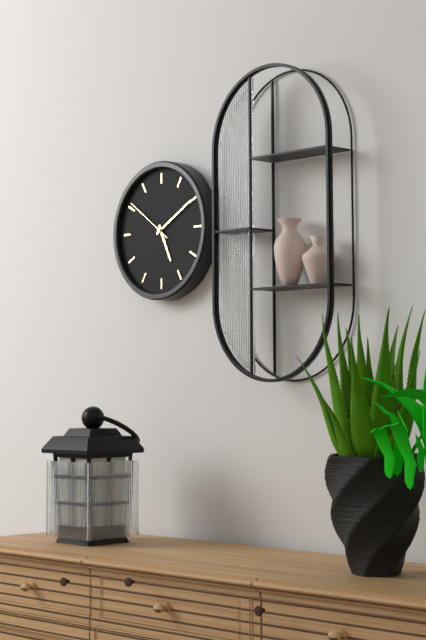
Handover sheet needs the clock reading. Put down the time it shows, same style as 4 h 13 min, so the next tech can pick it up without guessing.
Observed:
5 h 10 min
